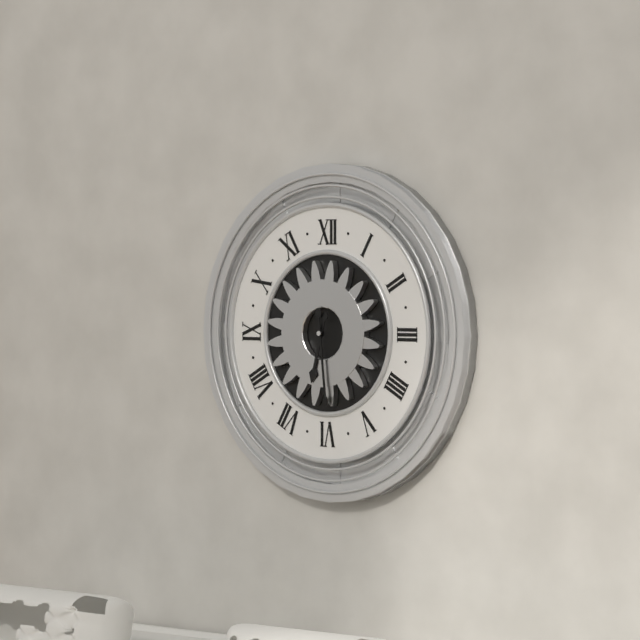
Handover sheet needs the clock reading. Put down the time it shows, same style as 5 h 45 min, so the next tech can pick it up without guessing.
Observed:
6 h 29 min
